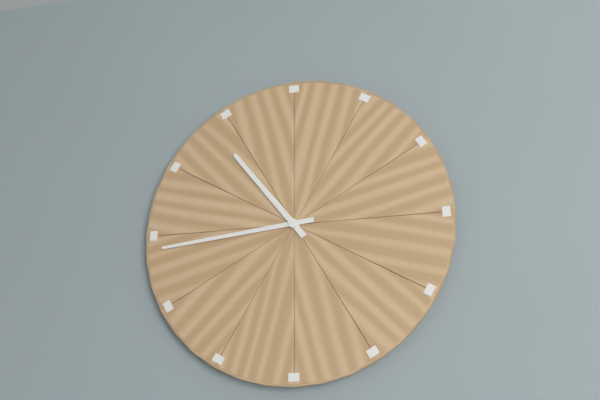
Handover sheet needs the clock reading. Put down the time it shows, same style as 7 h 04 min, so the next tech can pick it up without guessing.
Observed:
10 h 44 min
